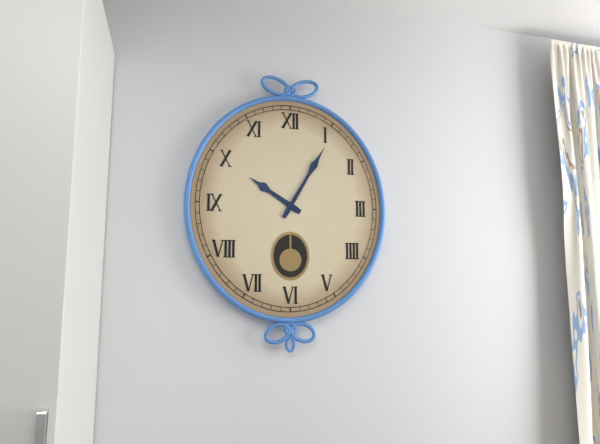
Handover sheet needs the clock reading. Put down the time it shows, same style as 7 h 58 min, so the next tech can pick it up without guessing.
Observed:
10 h 05 min
